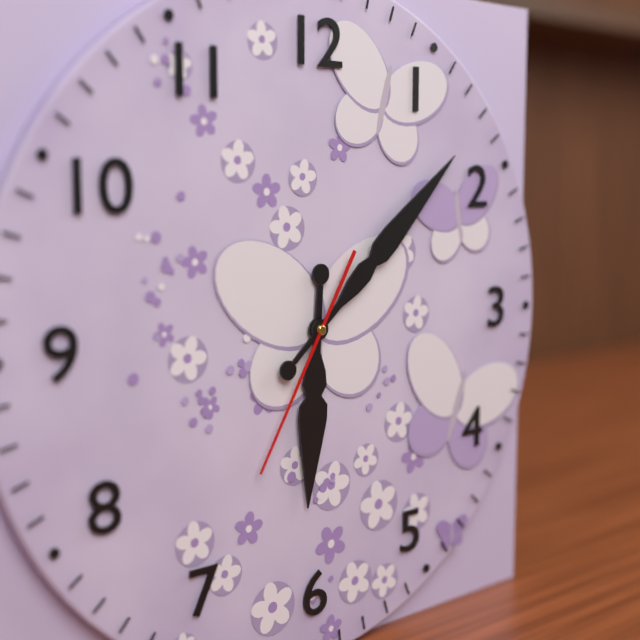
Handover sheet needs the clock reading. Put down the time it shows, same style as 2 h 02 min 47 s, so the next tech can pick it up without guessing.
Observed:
6 h 08 min 35 s
